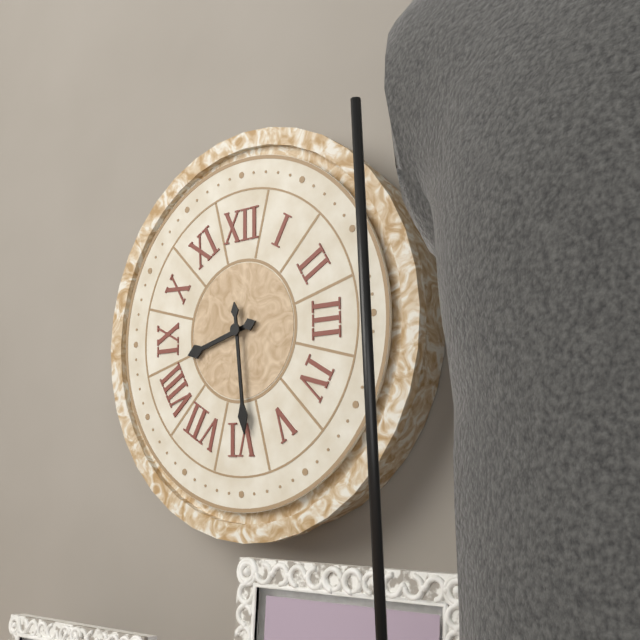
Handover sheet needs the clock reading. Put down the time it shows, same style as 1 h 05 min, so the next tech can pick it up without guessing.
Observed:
8 h 29 min
